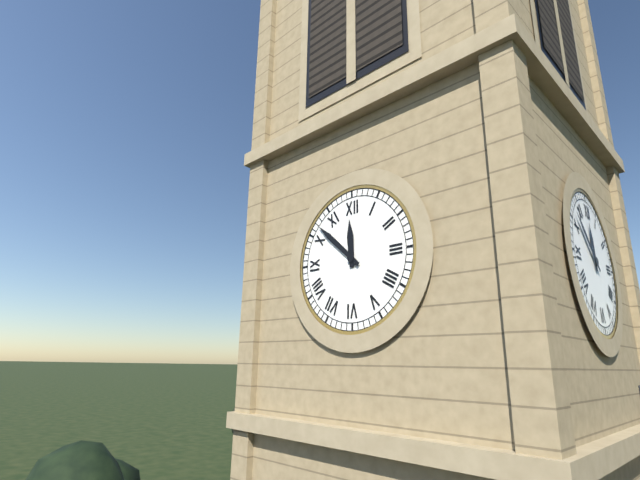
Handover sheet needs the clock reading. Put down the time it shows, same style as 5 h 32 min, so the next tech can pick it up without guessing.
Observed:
11 h 52 min
